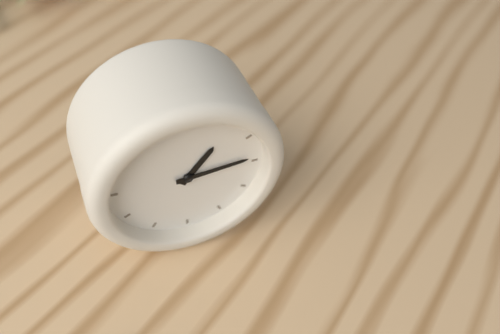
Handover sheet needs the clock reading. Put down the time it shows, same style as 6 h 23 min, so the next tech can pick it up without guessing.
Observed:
1 h 14 min
